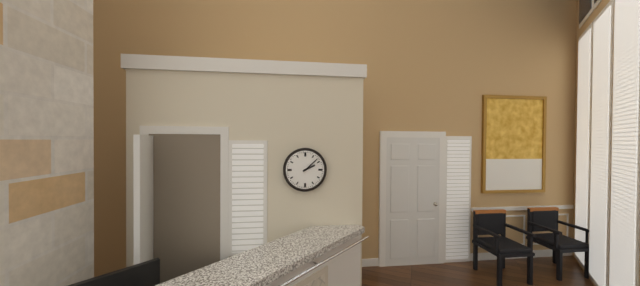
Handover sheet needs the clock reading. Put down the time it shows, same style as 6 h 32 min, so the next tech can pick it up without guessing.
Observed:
2 h 08 min
